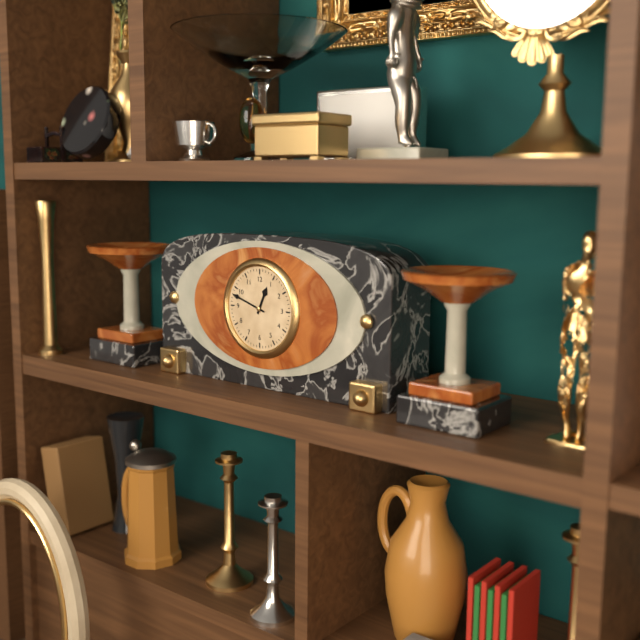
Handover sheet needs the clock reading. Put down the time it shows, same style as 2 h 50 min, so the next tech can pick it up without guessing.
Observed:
12 h 48 min
